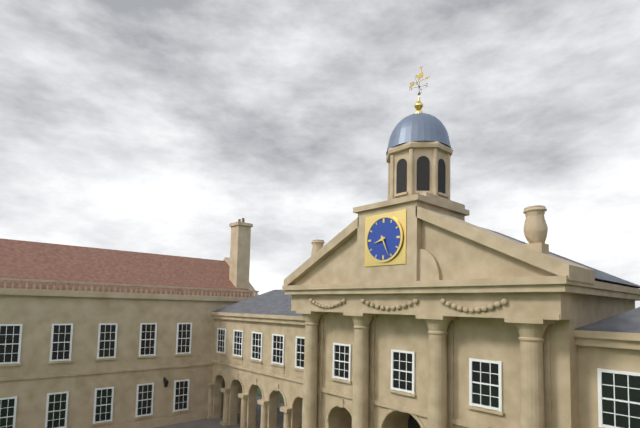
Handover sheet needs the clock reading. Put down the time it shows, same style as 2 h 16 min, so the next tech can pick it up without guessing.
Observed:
8 h 26 min
